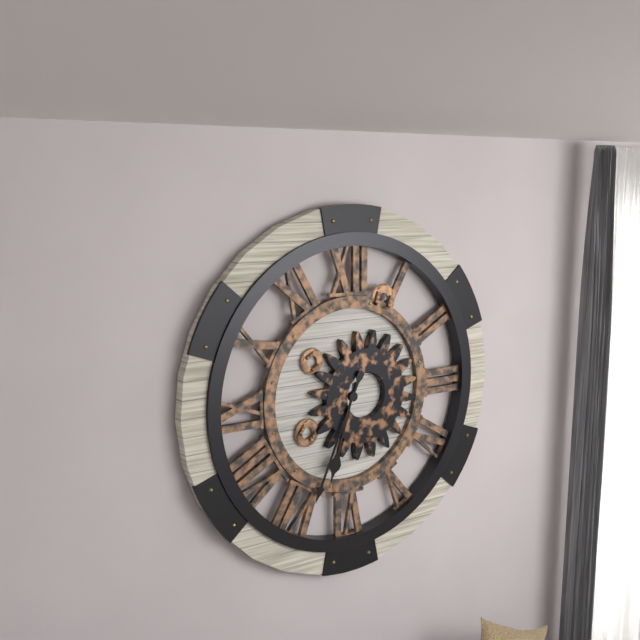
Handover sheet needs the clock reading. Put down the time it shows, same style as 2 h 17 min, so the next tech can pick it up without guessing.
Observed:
6 h 34 min
